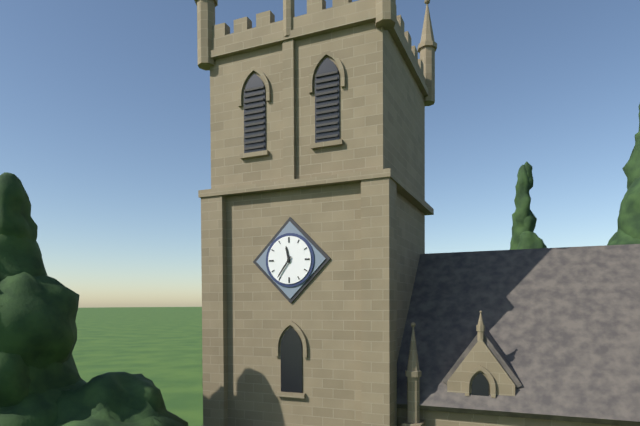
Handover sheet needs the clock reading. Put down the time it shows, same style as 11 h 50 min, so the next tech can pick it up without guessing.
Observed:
11 h 36 min
